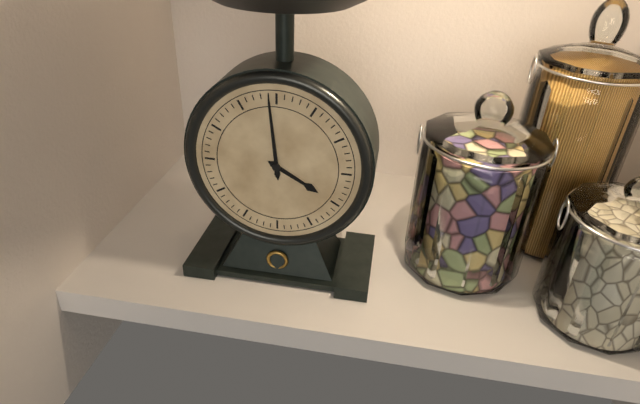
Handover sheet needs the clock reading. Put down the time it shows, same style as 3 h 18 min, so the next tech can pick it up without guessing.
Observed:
3 h 59 min
